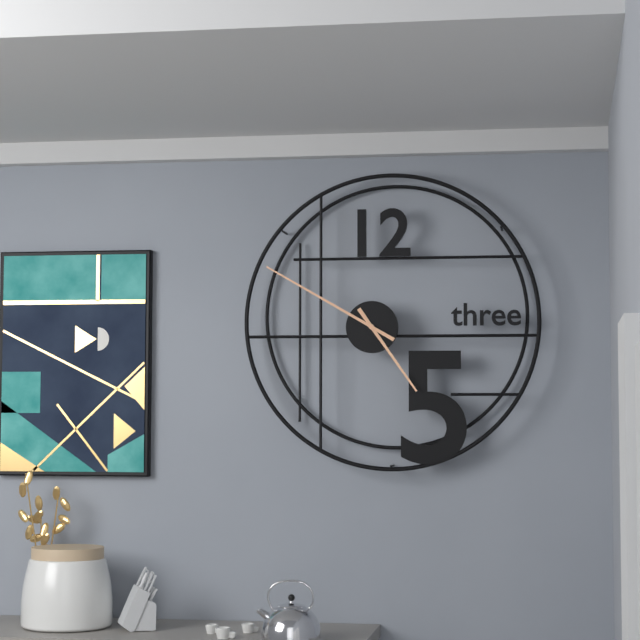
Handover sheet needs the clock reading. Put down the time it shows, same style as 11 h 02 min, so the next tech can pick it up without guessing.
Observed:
4 h 50 min
